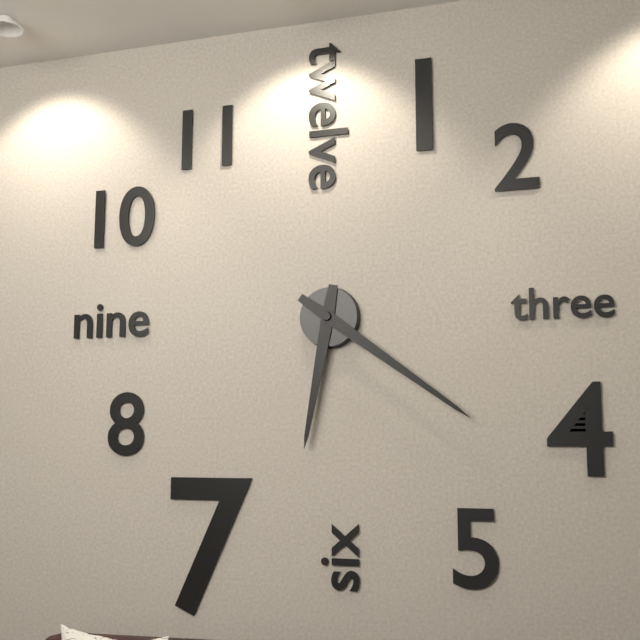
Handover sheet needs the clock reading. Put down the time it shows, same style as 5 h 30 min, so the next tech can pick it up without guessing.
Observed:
6 h 21 min
